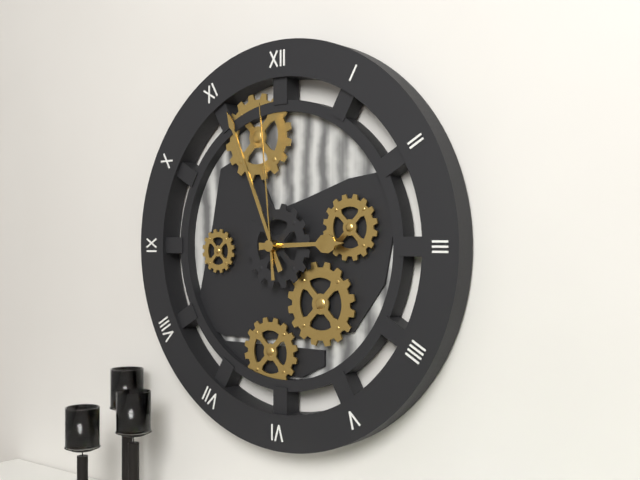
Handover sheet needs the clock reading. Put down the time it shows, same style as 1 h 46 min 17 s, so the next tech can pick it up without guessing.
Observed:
2 h 56 min 59 s
